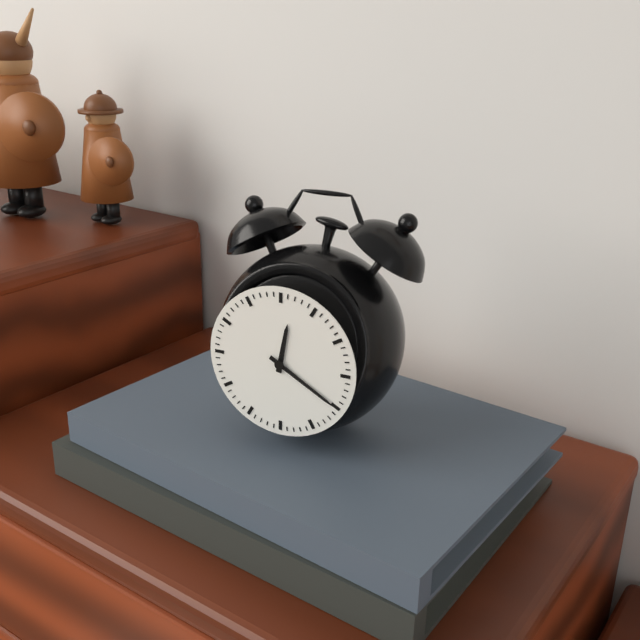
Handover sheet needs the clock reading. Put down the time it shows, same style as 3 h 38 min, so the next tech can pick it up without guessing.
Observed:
12 h 20 min
